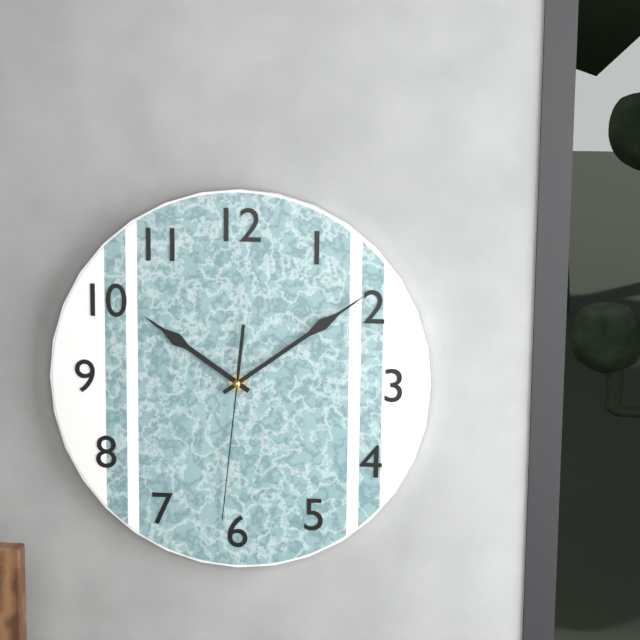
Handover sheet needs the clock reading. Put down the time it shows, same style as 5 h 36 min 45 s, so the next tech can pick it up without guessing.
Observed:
10 h 09 min 31 s
